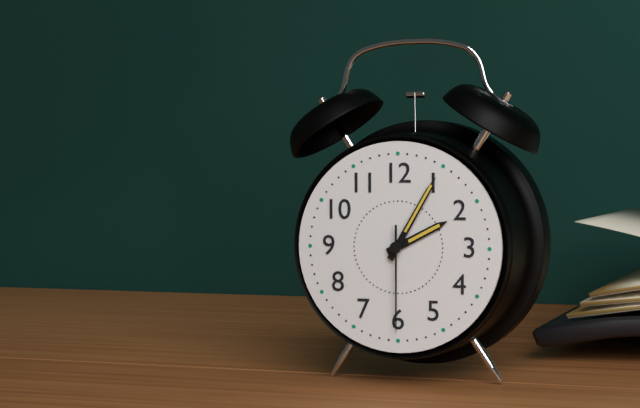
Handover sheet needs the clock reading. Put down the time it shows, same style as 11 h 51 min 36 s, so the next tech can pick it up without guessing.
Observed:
2 h 05 min 30 s
